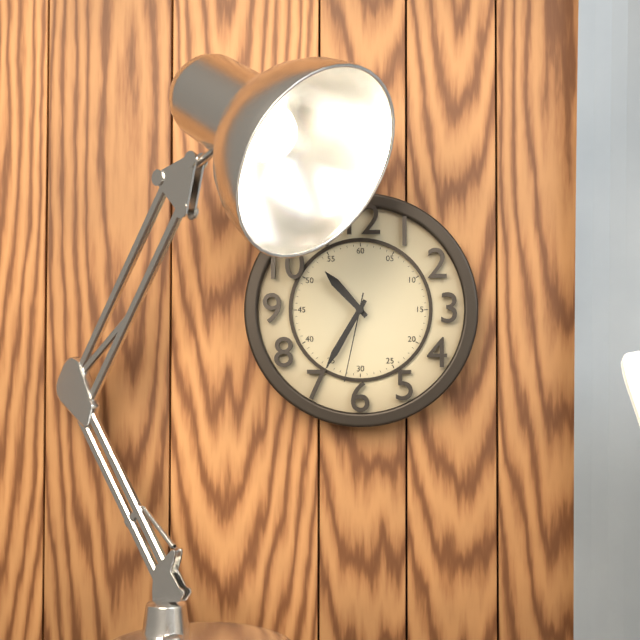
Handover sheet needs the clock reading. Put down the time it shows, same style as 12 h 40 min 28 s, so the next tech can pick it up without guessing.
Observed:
10 h 35 min 32 s
